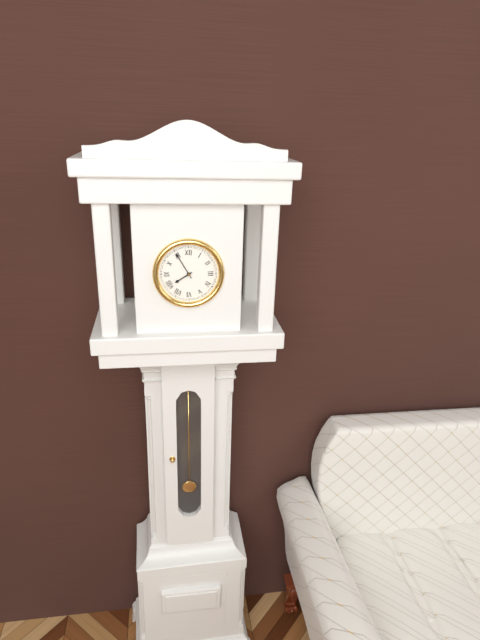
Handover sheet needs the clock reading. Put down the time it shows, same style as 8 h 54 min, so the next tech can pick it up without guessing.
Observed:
7 h 55 min
